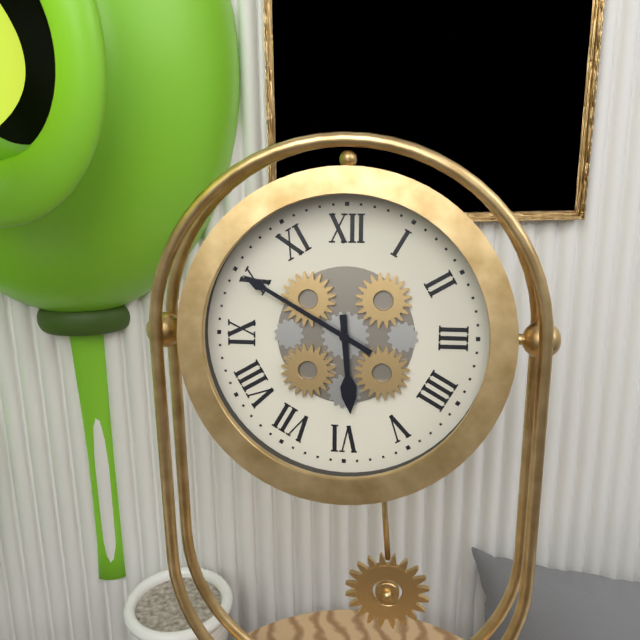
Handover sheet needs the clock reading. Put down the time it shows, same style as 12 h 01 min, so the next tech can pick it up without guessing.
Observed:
5 h 50 min
